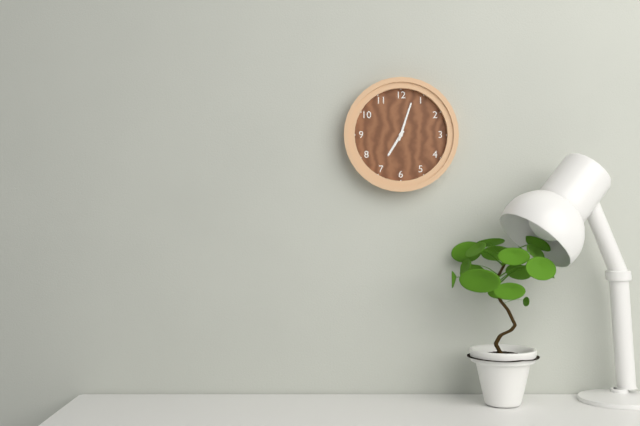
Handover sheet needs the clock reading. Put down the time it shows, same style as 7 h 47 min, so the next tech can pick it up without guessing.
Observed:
7 h 03 min
